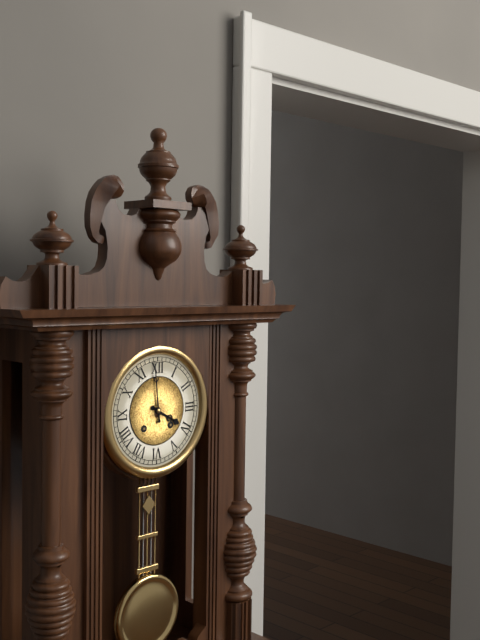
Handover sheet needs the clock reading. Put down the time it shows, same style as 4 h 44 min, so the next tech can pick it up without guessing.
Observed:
3 h 59 min
